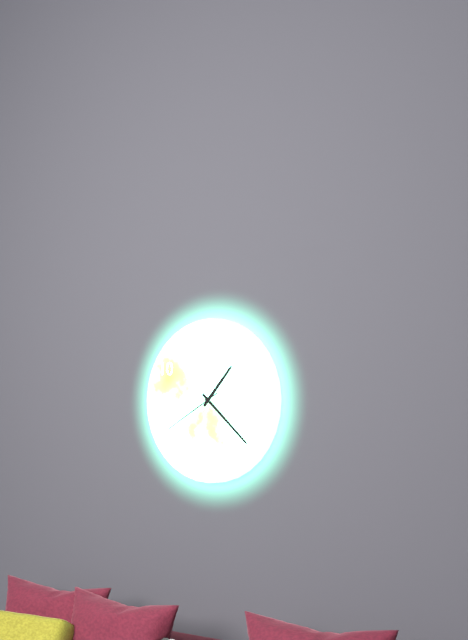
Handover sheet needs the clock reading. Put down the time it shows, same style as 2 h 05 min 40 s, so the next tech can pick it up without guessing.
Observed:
1 h 22 min 40 s
